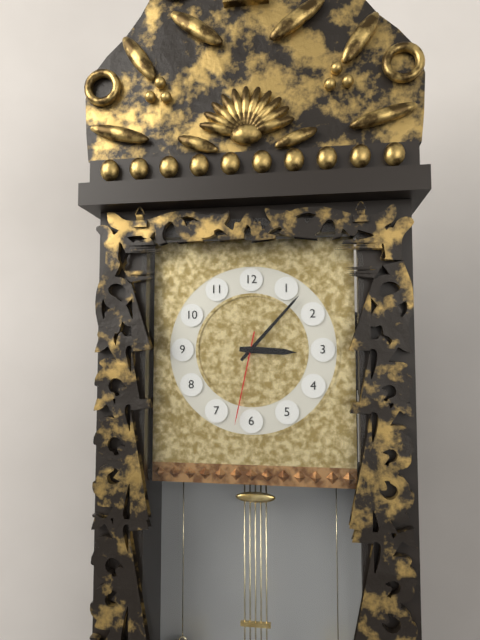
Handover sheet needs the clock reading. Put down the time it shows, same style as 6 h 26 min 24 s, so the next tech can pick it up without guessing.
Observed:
3 h 07 min 32 s
